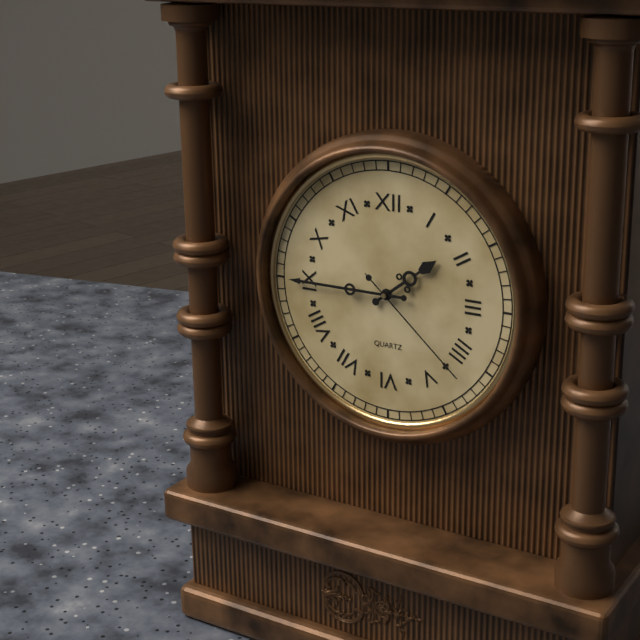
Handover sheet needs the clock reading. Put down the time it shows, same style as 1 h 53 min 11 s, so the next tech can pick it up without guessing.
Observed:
1 h 45 min 22 s
